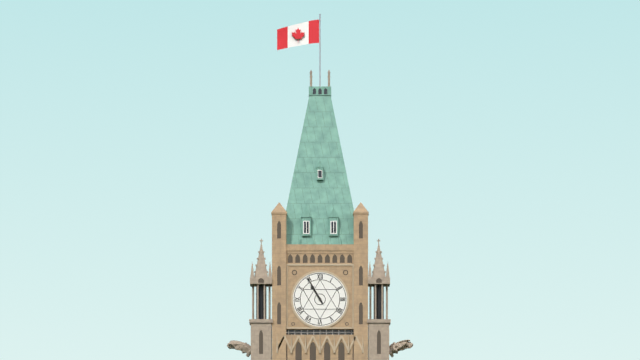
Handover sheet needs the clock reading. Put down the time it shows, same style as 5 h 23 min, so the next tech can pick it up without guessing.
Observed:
10 h 55 min
